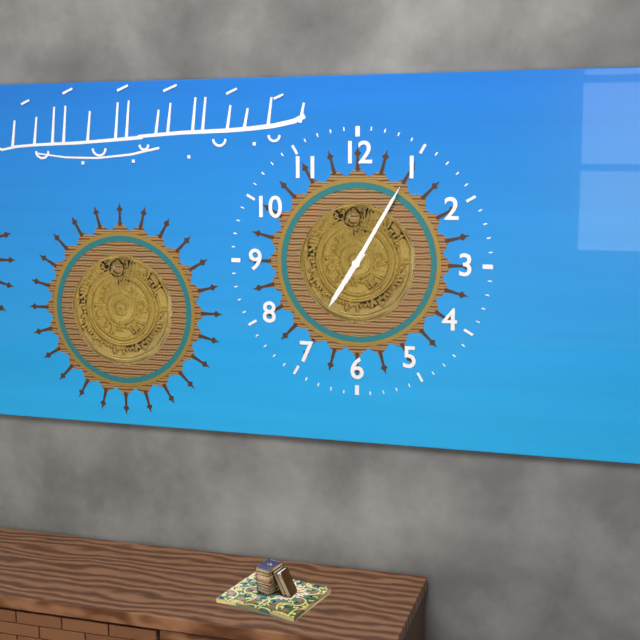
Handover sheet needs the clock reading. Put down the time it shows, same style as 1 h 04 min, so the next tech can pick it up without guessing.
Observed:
7 h 05 min
